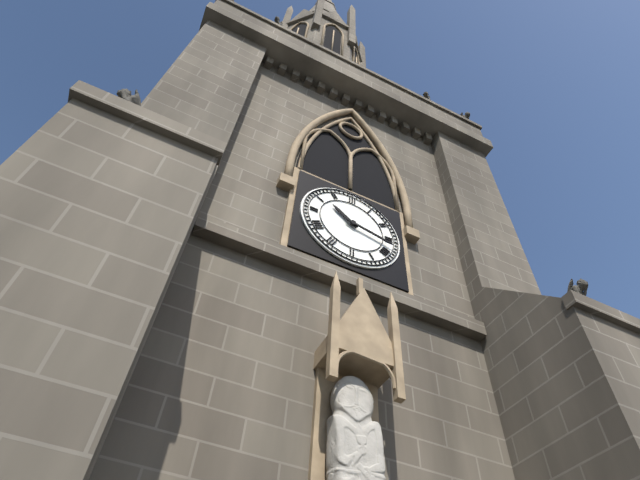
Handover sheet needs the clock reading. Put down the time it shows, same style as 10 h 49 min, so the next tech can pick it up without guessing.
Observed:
10 h 17 min
